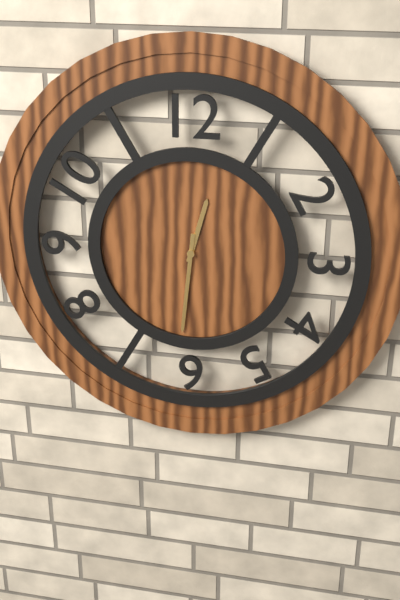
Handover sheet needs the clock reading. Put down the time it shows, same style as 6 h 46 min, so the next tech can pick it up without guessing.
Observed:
12 h 31 min
